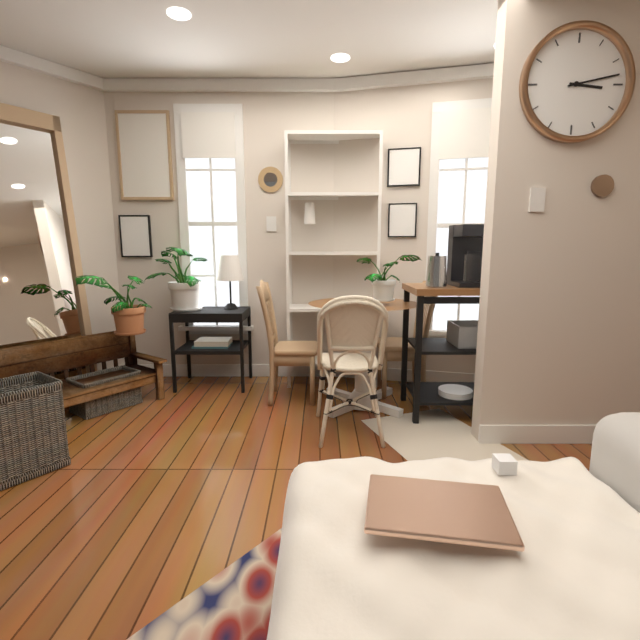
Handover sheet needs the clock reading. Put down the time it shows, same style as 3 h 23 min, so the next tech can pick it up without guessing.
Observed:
3 h 13 min
